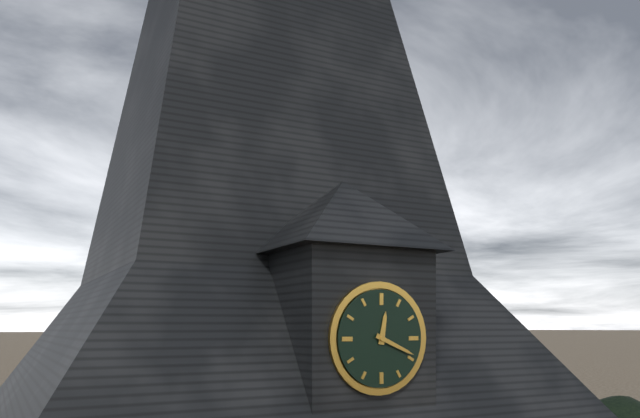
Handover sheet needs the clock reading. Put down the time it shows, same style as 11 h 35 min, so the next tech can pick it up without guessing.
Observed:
12 h 19 min
